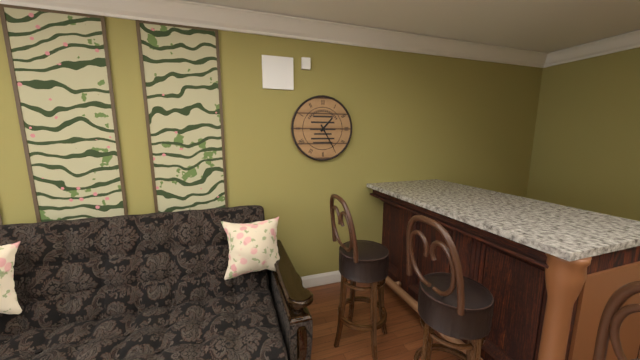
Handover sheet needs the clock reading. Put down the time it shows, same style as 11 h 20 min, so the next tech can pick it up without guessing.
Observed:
1 h 25 min
